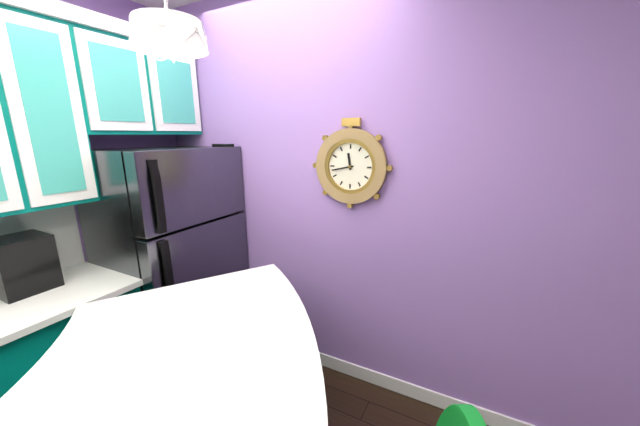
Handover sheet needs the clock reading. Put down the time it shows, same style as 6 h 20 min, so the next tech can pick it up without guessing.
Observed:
11 h 43 min
